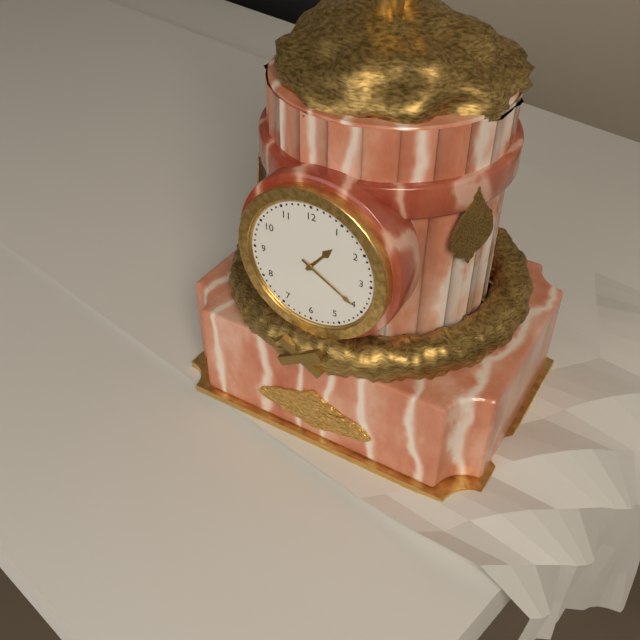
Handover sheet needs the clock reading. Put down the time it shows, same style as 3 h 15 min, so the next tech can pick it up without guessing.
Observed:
1 h 20 min
